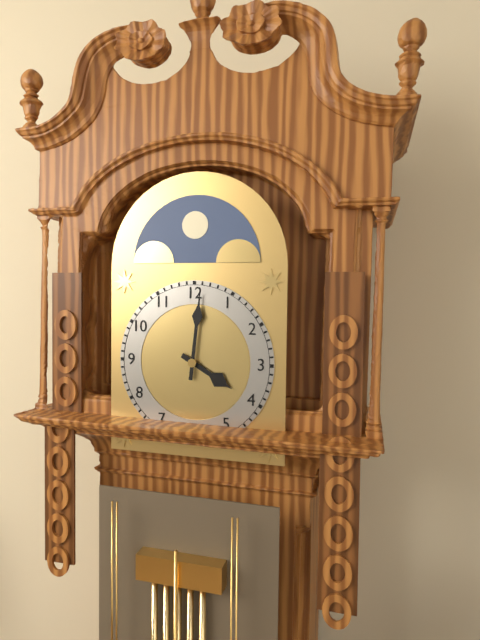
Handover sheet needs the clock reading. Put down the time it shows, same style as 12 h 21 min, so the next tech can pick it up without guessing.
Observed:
4 h 01 min
